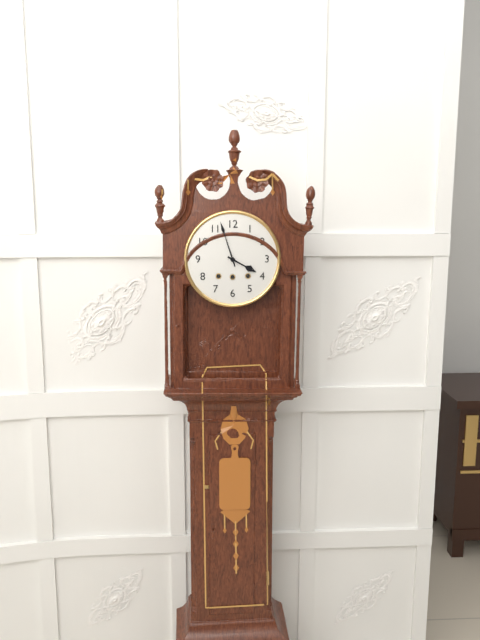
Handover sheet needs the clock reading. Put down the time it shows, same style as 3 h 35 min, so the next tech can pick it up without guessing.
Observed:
3 h 57 min
